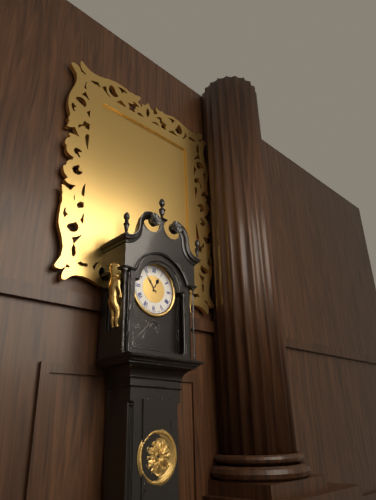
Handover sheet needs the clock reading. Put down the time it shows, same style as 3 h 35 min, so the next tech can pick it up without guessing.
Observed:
12 h 54 min
